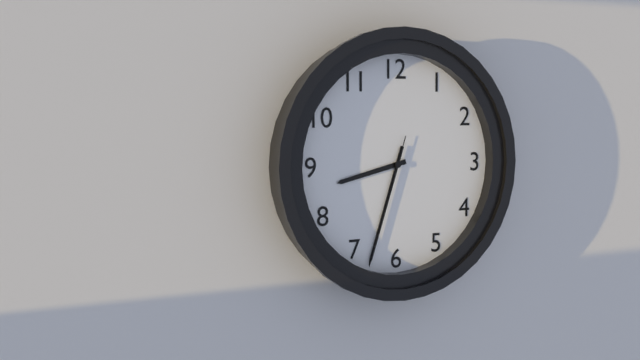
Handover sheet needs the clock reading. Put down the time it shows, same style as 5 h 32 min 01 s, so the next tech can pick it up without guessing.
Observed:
8 h 33 min 33 s
